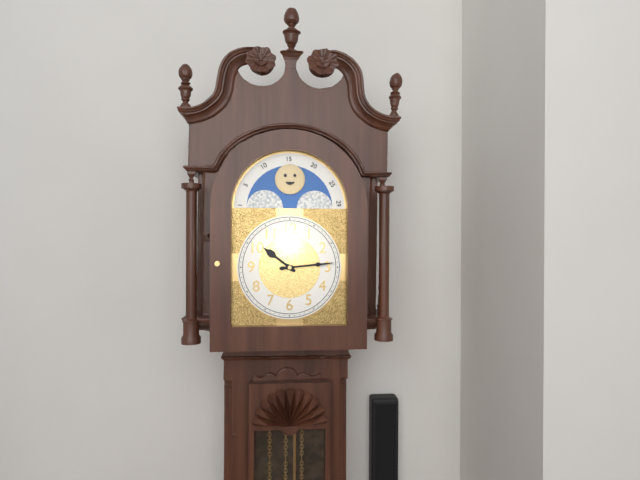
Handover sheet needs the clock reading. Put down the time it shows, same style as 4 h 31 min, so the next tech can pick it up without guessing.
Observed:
10 h 14 min
